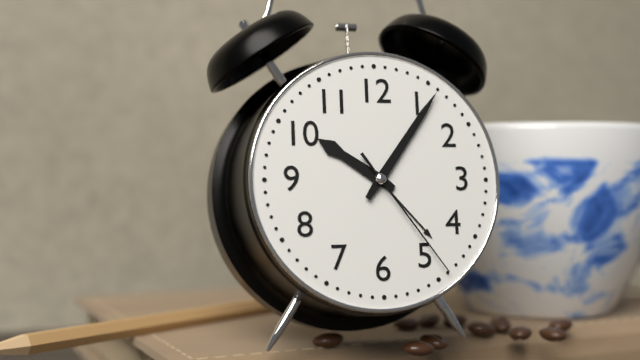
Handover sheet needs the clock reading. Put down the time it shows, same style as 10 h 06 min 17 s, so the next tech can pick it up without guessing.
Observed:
10 h 06 min 24 s
